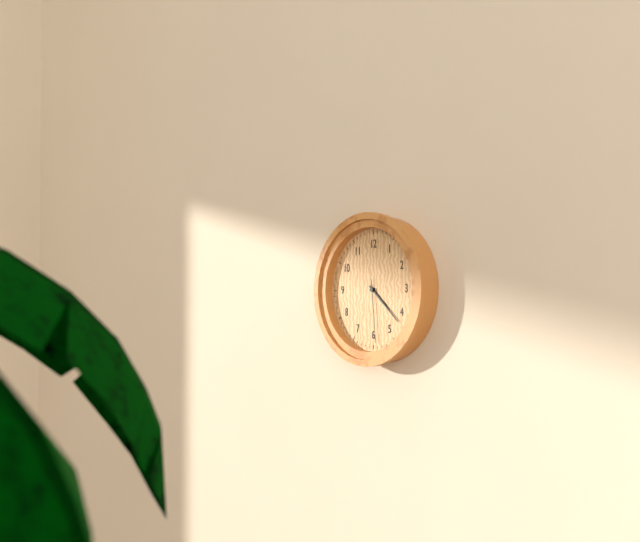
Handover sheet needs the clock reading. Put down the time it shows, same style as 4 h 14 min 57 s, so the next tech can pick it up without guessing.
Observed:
4 h 22 min 29 s
